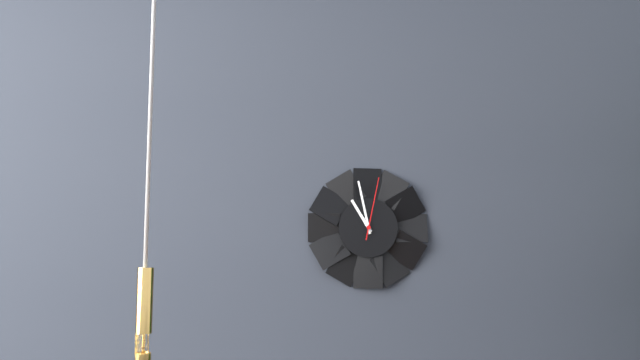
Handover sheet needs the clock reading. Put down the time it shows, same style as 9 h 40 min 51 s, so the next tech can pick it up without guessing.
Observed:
10 h 58 min 02 s
